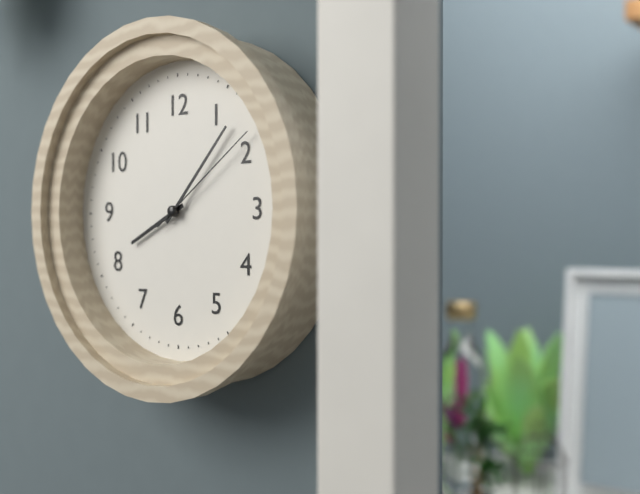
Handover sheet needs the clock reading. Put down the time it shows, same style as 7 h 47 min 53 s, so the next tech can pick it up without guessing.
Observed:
8 h 07 min 09 s
